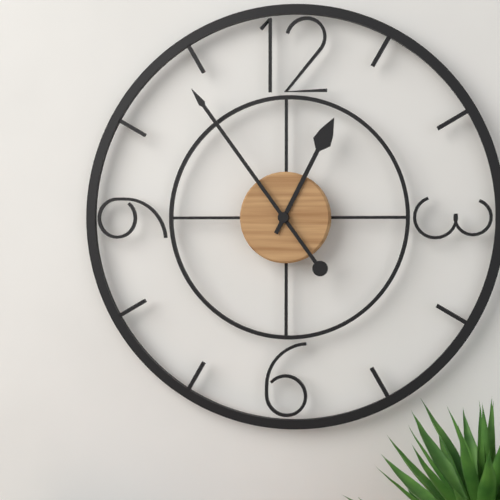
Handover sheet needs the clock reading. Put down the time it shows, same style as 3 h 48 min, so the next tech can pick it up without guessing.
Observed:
12 h 54 min
